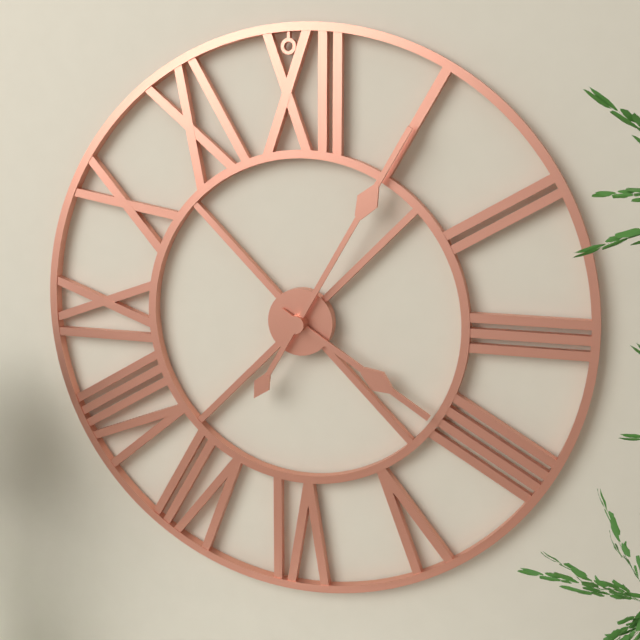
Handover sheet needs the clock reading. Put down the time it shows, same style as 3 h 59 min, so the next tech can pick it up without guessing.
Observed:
4 h 05 min
